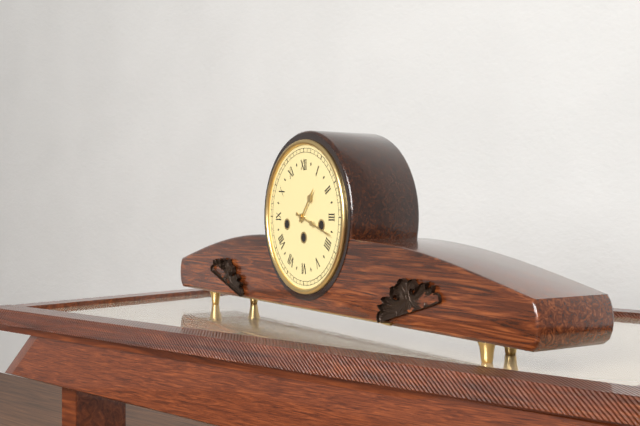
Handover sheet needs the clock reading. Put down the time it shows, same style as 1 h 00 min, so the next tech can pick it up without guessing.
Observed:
1 h 18 min
